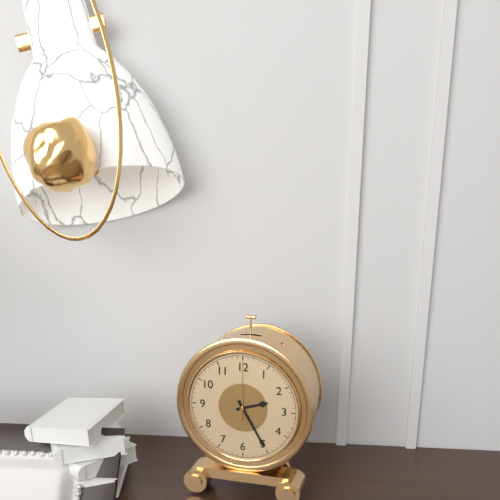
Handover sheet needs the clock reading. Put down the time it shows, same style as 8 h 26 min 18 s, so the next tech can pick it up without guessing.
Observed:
2 h 25 min 00 s
